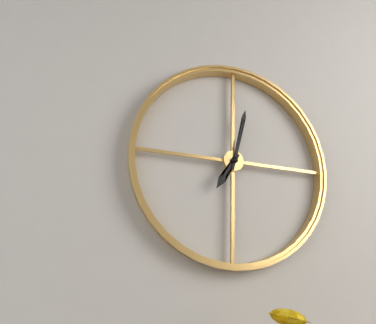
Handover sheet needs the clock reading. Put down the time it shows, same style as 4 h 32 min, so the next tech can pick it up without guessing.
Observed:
7 h 02 min
